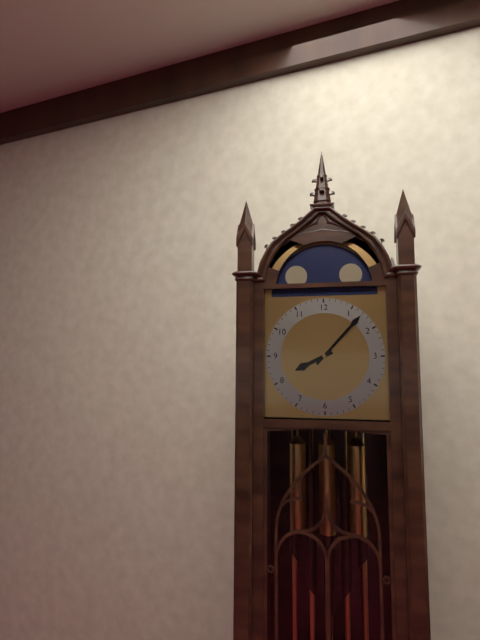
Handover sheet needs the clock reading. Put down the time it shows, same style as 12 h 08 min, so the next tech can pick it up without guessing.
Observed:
8 h 07 min
